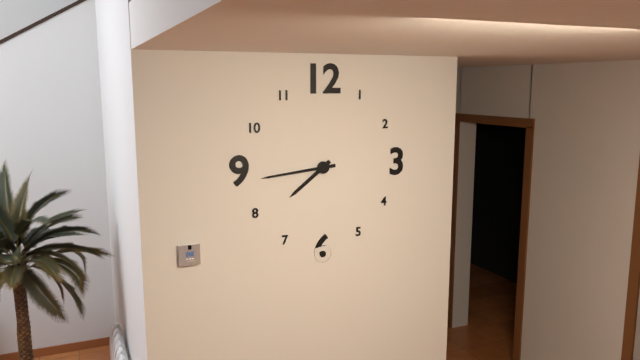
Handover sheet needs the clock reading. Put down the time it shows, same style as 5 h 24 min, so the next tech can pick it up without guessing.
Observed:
7 h 44 min
